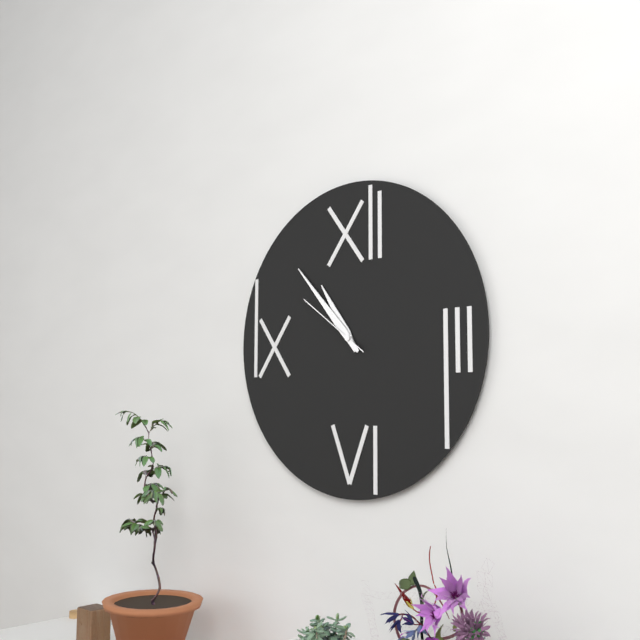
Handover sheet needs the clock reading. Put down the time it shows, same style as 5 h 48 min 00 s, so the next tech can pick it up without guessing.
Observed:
10 h 53 min 51 s
